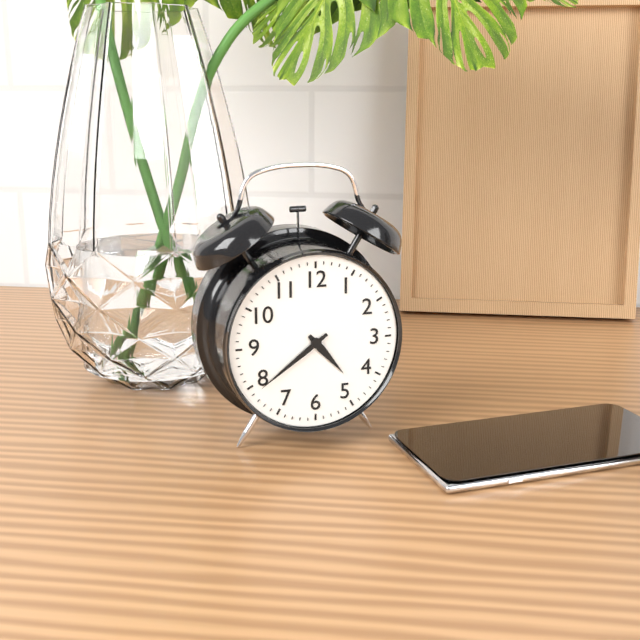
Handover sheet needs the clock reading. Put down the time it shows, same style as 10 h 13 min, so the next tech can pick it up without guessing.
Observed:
4 h 39 min
